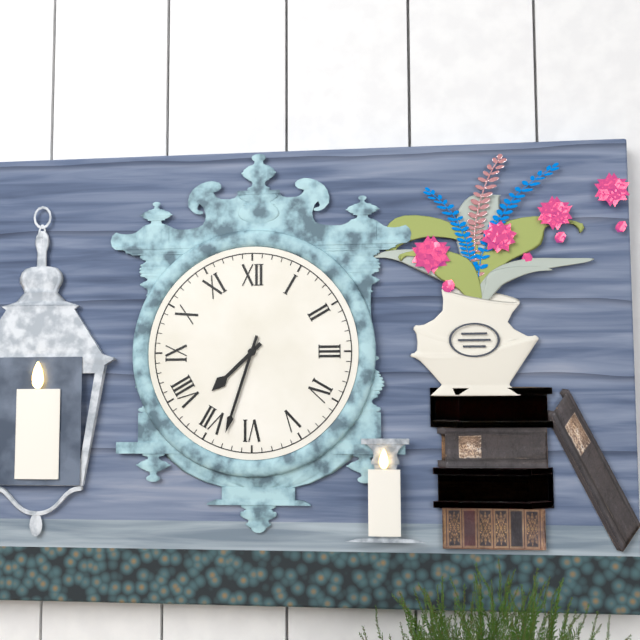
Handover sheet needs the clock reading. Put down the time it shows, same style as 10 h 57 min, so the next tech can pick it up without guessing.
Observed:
7 h 33 min
